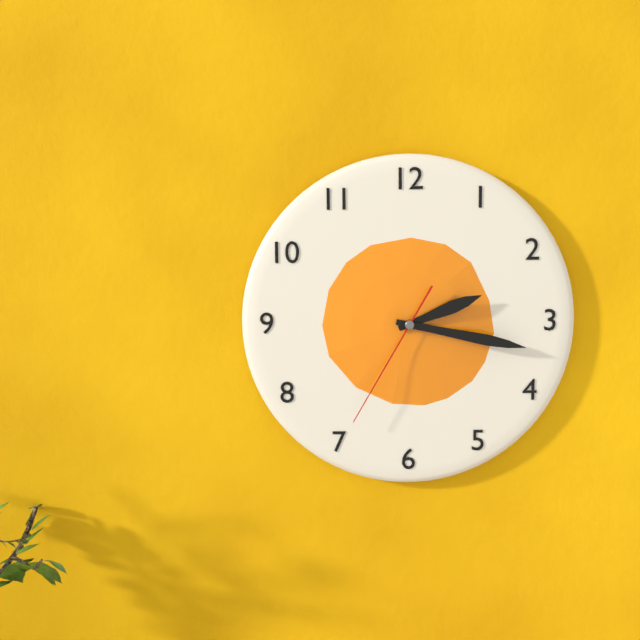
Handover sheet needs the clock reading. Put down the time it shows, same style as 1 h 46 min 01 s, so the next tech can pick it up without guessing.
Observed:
2 h 17 min 35 s
